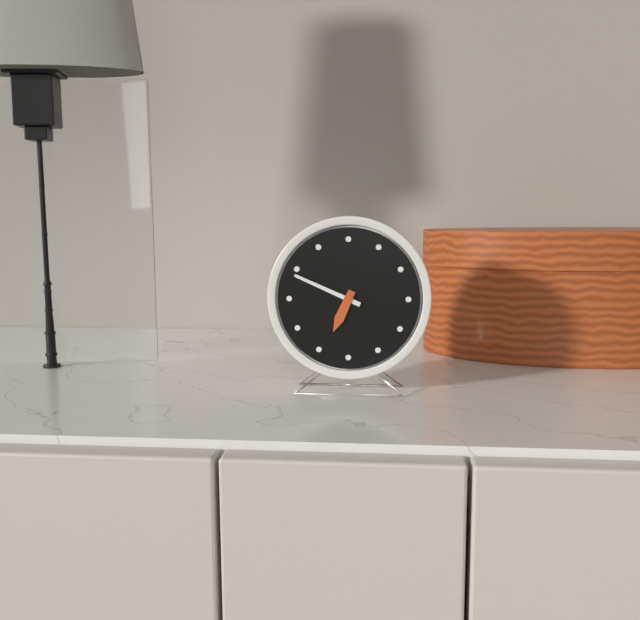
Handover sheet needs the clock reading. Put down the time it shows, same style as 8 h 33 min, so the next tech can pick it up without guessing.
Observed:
6 h 49 min
